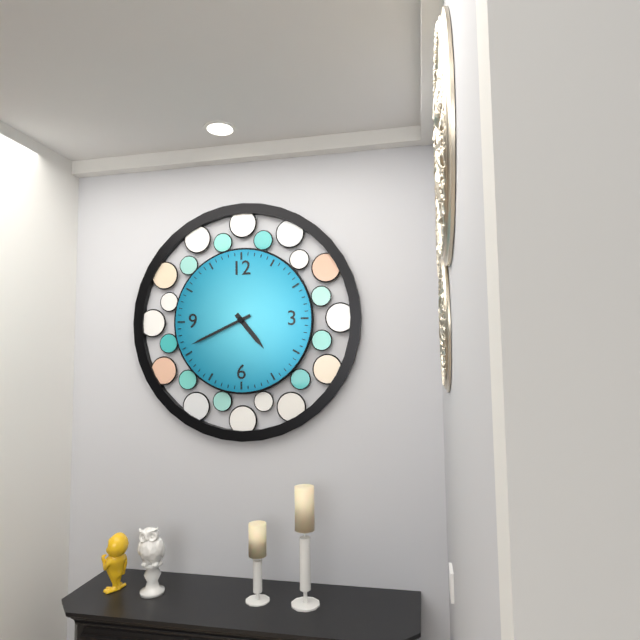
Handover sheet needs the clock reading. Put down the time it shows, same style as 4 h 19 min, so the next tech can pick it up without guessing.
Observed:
4 h 41 min
